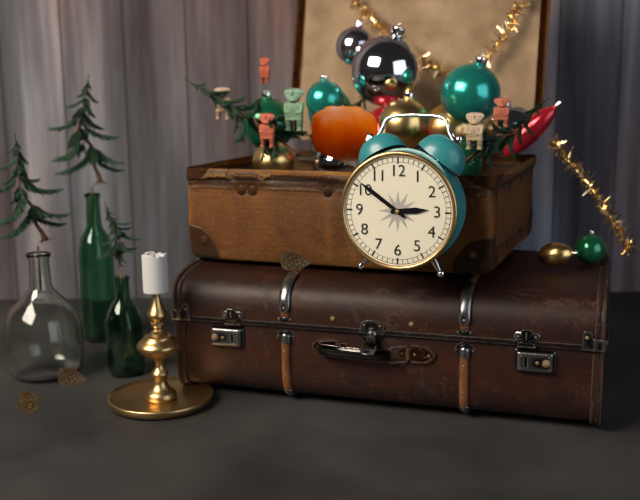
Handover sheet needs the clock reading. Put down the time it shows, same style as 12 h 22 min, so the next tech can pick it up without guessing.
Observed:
2 h 51 min
